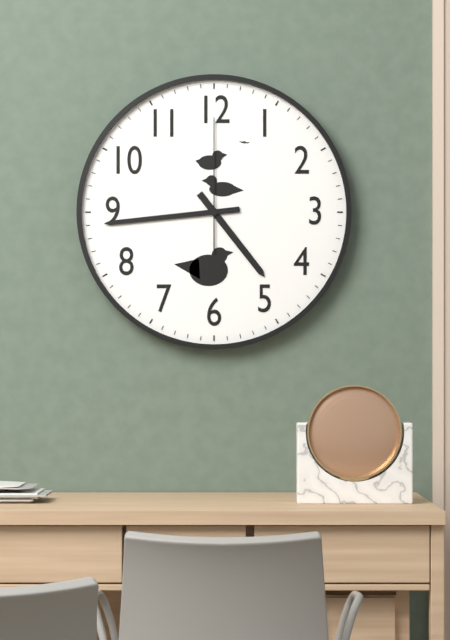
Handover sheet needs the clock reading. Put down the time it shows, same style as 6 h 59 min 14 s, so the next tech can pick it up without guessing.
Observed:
4 h 44 min 00 s
